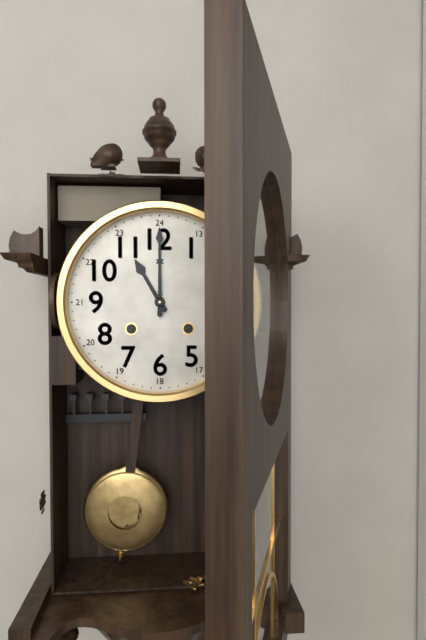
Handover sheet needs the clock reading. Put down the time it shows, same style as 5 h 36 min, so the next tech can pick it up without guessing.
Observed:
11 h 00 min
